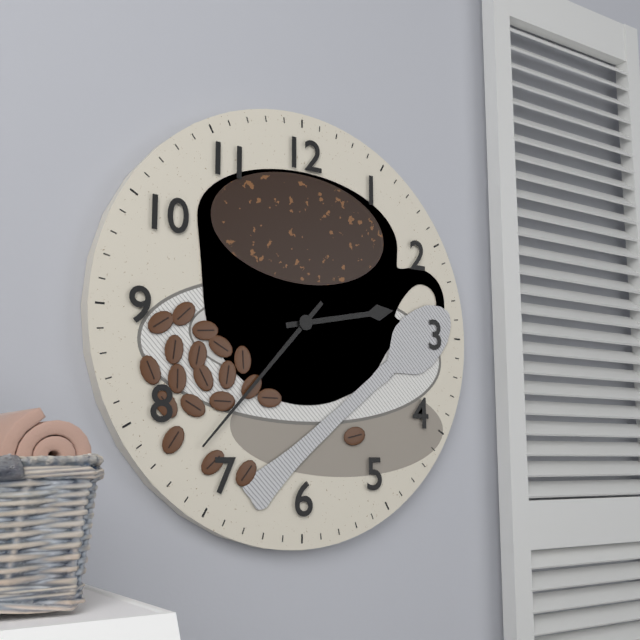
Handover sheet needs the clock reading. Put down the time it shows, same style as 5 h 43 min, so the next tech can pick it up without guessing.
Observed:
2 h 37 min
